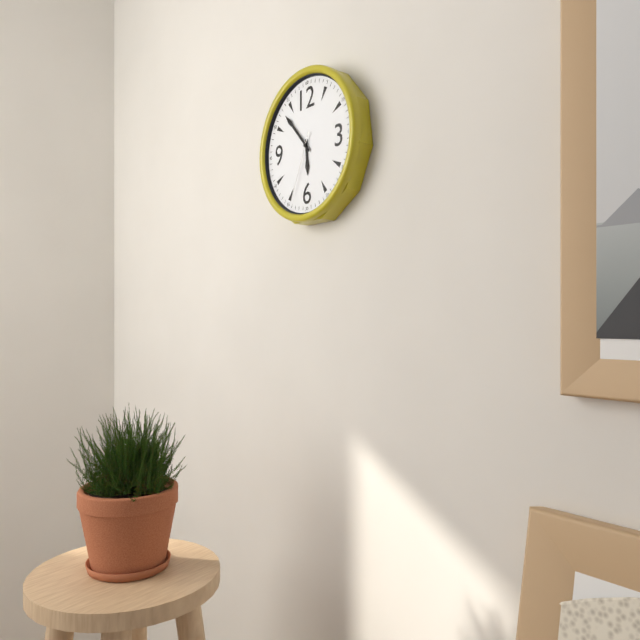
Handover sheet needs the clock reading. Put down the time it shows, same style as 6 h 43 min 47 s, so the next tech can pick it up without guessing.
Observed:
5 h 53 min 34 s
